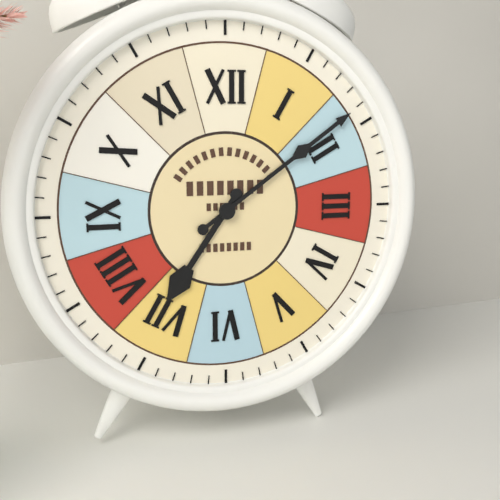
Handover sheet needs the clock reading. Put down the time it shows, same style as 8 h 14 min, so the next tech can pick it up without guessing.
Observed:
7 h 09 min
